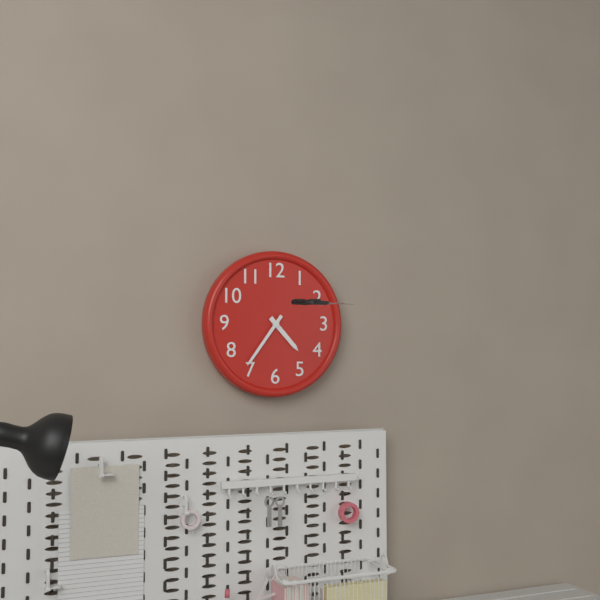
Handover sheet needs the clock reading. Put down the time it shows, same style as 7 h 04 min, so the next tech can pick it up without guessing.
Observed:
4 h 36 min
